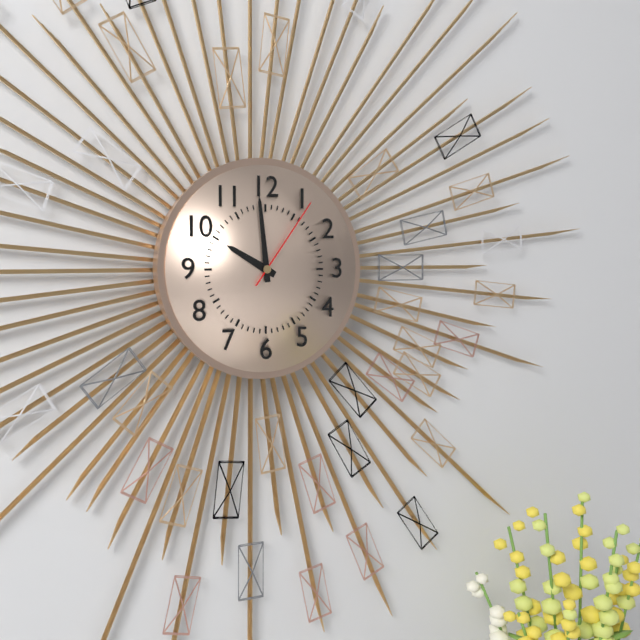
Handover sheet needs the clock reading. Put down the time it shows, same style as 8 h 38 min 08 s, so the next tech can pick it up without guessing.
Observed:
9 h 59 min 06 s
